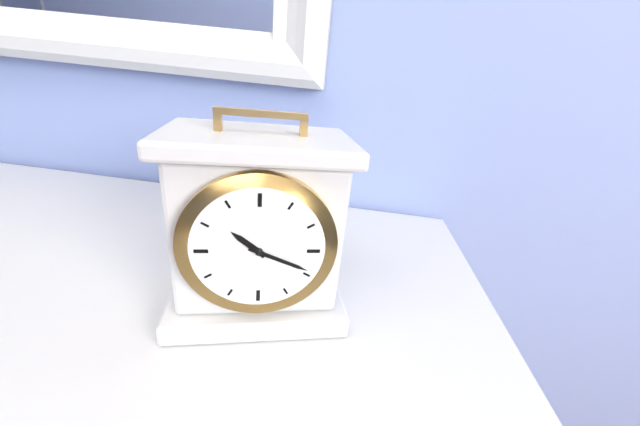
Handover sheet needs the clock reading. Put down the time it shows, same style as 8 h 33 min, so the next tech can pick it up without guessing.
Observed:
10 h 19 min
